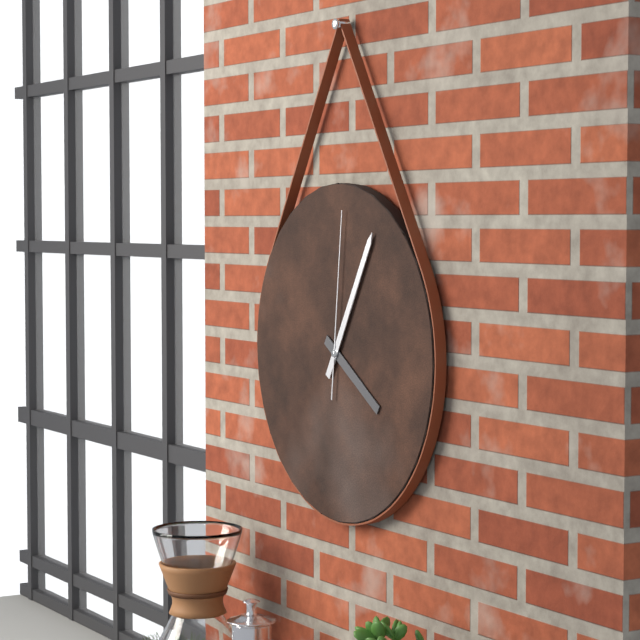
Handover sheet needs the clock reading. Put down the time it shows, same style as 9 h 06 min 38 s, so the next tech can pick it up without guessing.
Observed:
4 h 05 min 01 s
